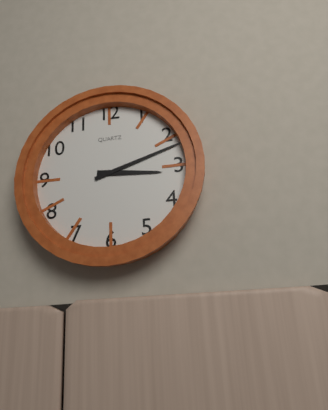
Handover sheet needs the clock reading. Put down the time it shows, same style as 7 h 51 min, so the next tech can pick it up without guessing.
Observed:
3 h 12 min
